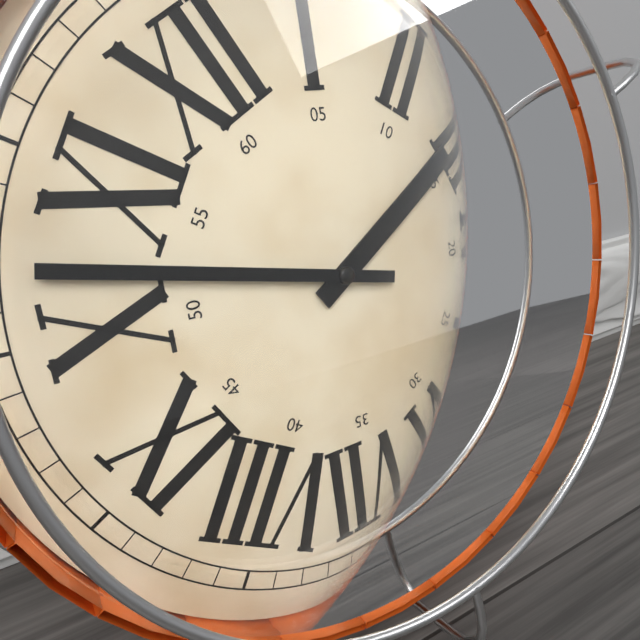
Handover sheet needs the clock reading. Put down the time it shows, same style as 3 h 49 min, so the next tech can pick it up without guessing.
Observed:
2 h 52 min
